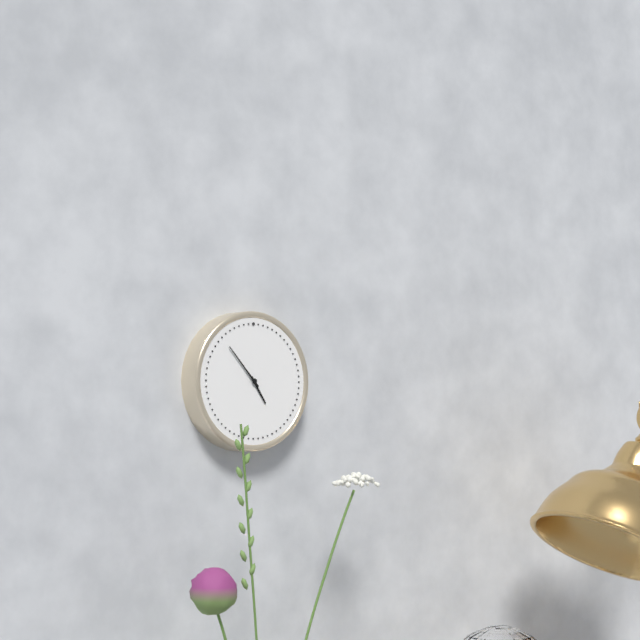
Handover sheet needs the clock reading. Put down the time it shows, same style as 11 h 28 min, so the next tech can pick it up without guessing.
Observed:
4 h 53 min
